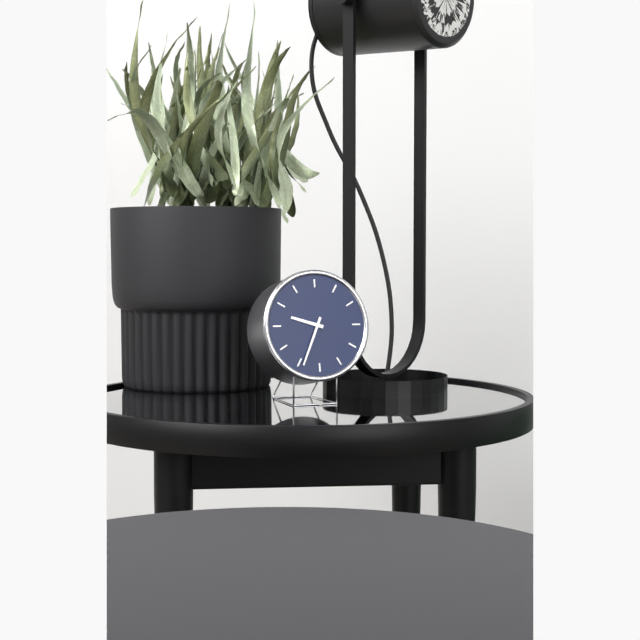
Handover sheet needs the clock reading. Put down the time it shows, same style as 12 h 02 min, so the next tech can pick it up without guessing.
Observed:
9 h 34 min
